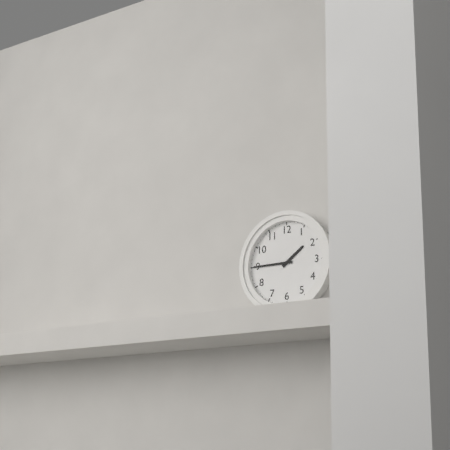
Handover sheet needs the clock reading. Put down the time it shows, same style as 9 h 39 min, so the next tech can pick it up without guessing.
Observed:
1 h 45 min
